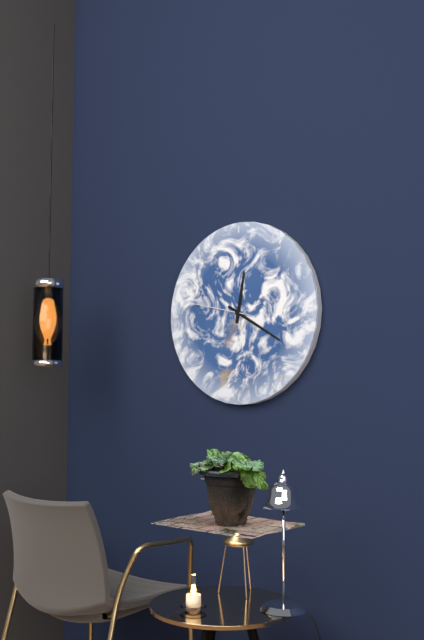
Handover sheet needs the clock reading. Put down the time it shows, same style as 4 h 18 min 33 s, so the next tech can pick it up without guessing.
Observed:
12 h 20 min 47 s
